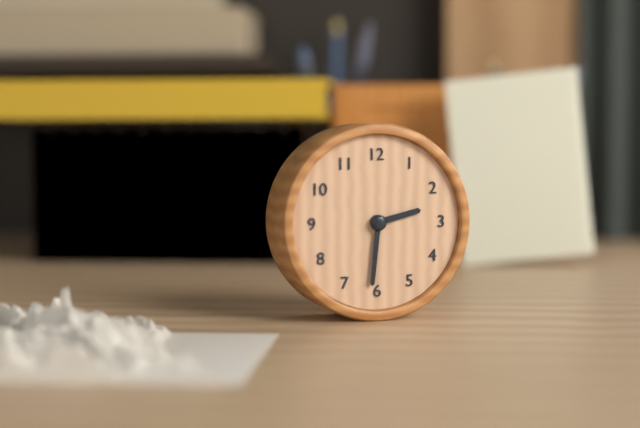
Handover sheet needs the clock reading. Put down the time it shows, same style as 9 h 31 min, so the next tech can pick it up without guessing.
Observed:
2 h 31 min
